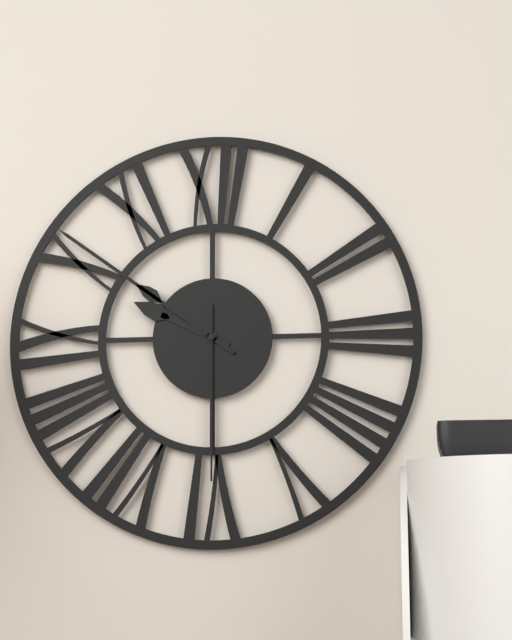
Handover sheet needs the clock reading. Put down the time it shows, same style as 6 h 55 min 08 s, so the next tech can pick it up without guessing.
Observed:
9 h 51 min 30 s
